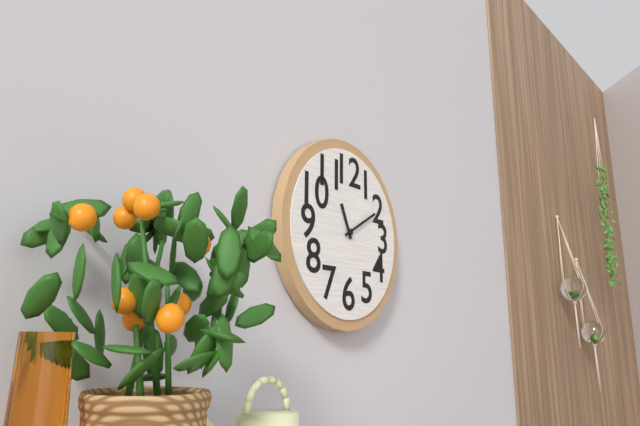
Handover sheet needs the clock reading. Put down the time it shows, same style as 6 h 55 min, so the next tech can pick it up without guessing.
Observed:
11 h 10 min
